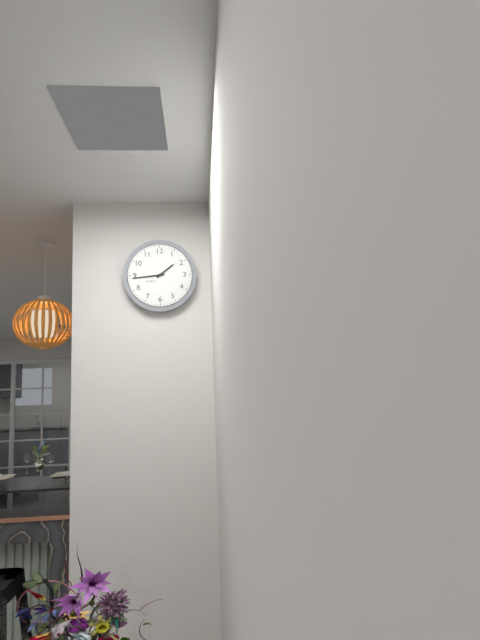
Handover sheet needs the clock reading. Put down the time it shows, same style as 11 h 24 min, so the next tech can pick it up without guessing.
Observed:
1 h 44 min
